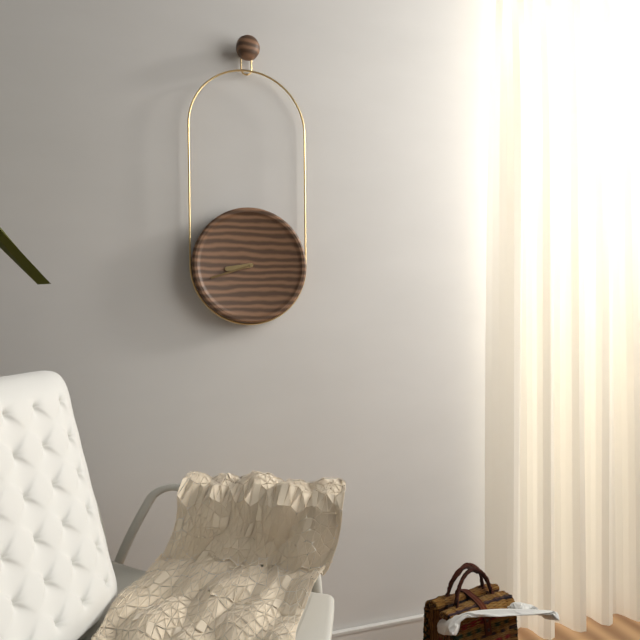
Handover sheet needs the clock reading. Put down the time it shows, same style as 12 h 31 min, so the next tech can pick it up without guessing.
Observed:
8 h 42 min
